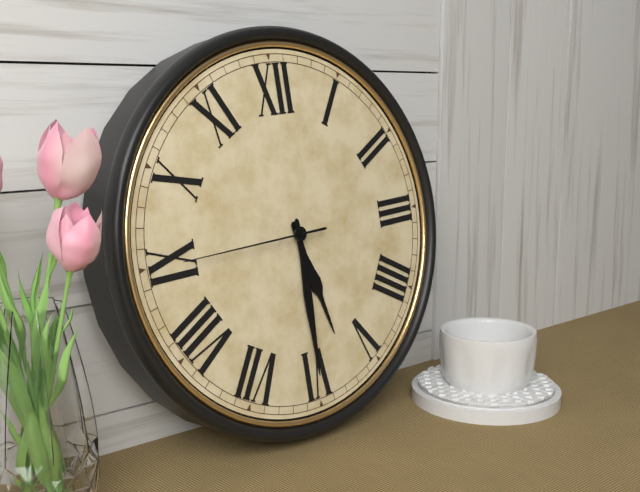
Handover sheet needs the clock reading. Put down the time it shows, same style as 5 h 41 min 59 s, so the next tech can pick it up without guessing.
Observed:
5 h 30 min 45 s
